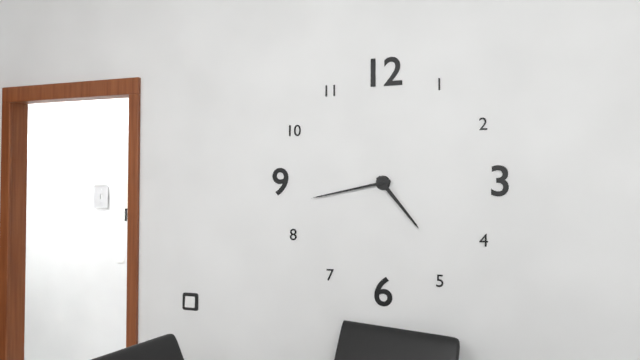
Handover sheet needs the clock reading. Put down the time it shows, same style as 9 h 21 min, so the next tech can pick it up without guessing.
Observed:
4 h 43 min
